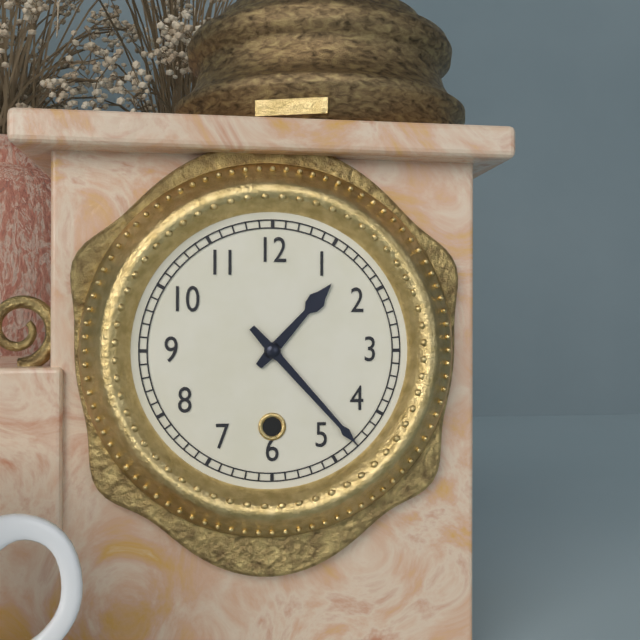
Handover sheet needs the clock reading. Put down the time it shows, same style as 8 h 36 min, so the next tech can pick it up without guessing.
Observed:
1 h 23 min
